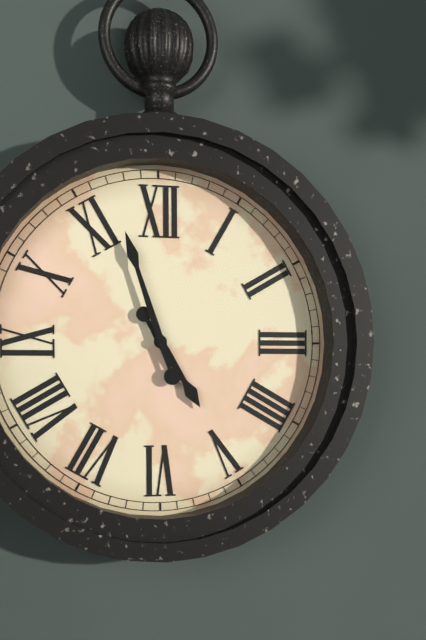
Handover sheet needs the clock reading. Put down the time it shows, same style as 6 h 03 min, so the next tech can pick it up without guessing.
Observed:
4 h 57 min
